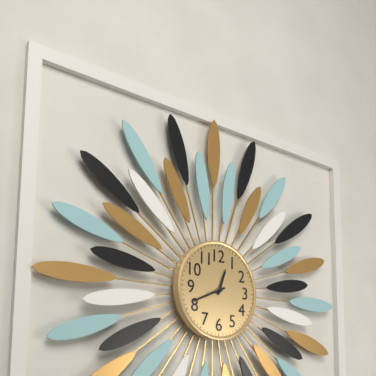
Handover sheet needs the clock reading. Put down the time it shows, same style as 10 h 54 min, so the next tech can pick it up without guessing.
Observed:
12 h 41 min
